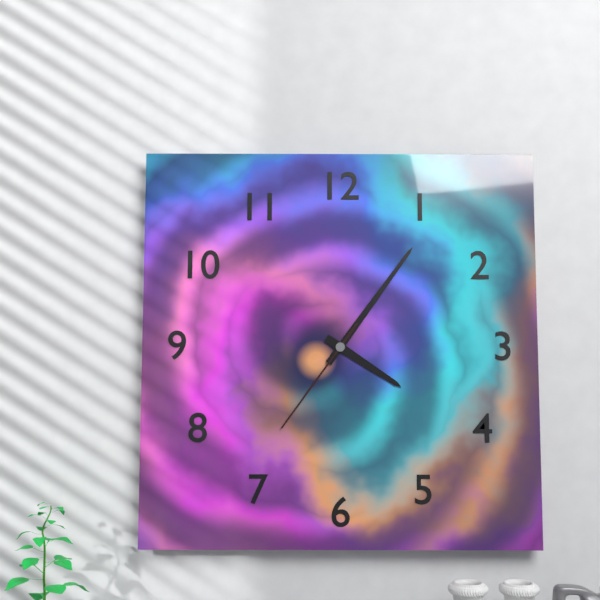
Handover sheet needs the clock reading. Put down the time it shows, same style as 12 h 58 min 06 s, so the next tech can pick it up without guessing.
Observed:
4 h 06 min 36 s
